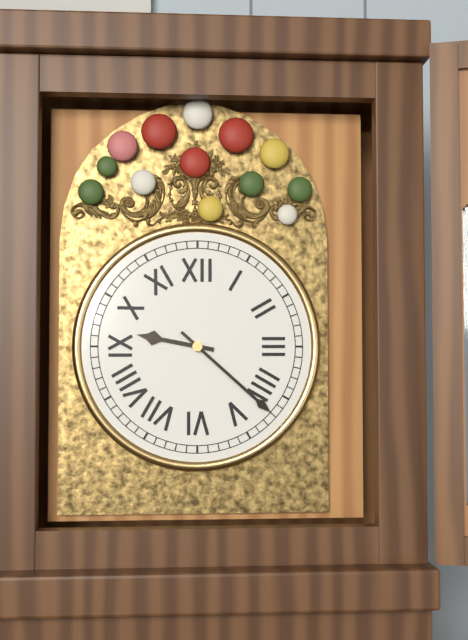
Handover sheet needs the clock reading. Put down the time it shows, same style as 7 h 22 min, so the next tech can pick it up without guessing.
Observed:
9 h 22 min
